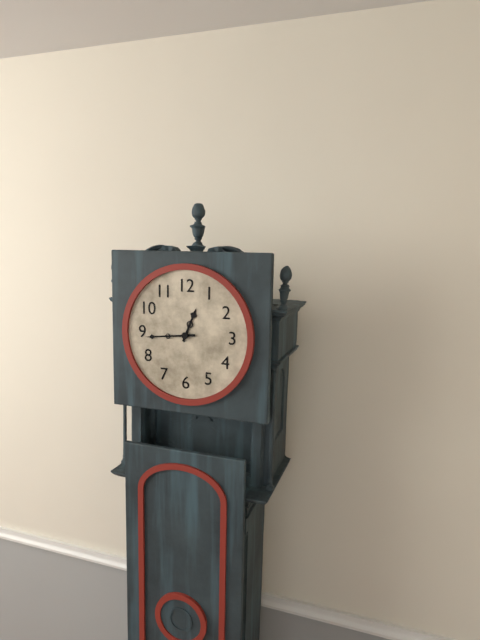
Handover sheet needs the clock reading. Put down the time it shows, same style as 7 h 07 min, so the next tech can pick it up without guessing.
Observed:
12 h 44 min
